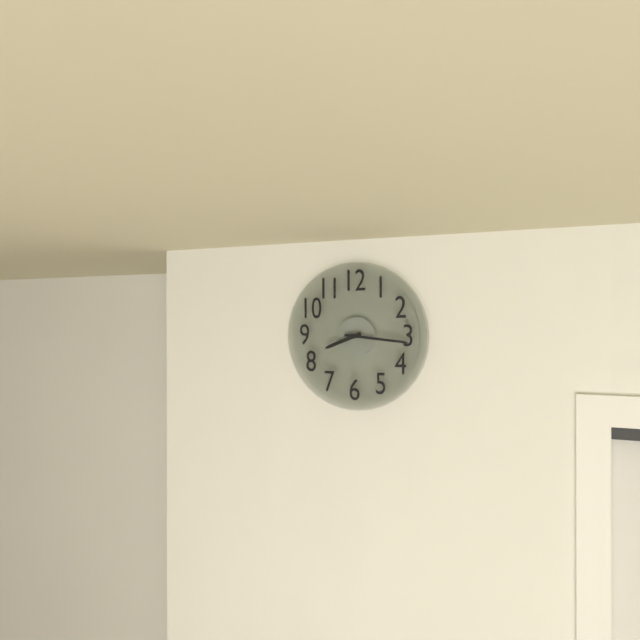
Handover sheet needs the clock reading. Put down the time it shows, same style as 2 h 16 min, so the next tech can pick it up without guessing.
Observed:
8 h 16 min
